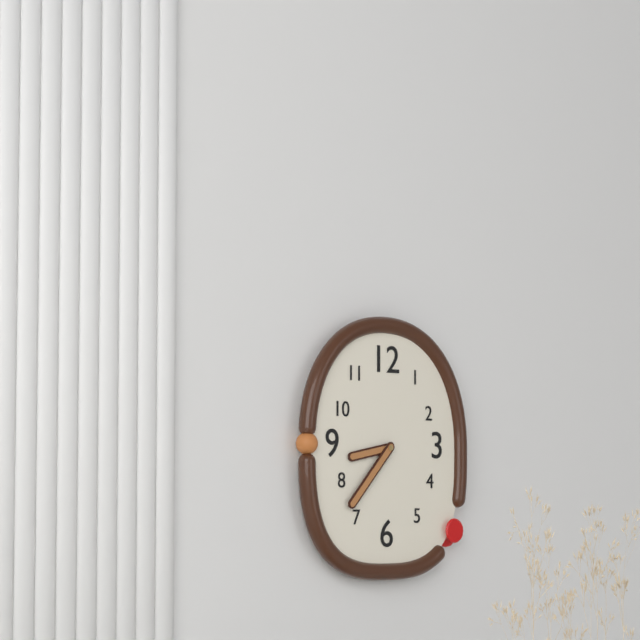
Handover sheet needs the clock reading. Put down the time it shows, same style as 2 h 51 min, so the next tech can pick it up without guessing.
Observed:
8 h 37 min
